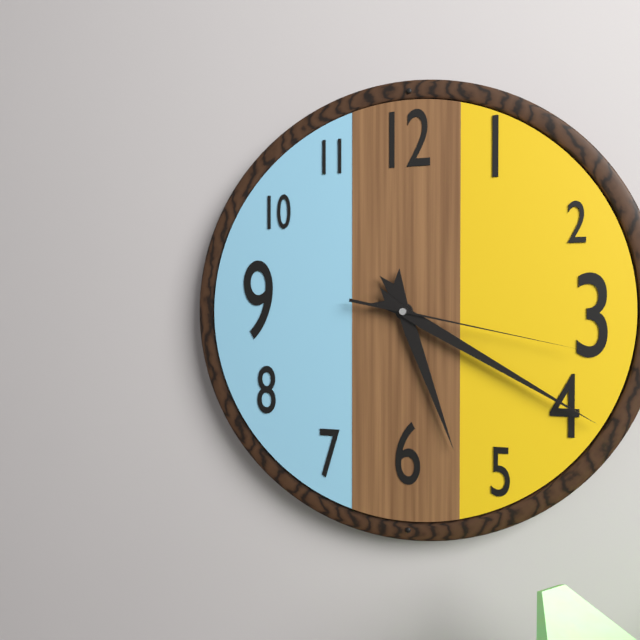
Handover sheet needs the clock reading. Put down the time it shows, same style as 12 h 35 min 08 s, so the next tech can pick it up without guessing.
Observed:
5 h 20 min 17 s
